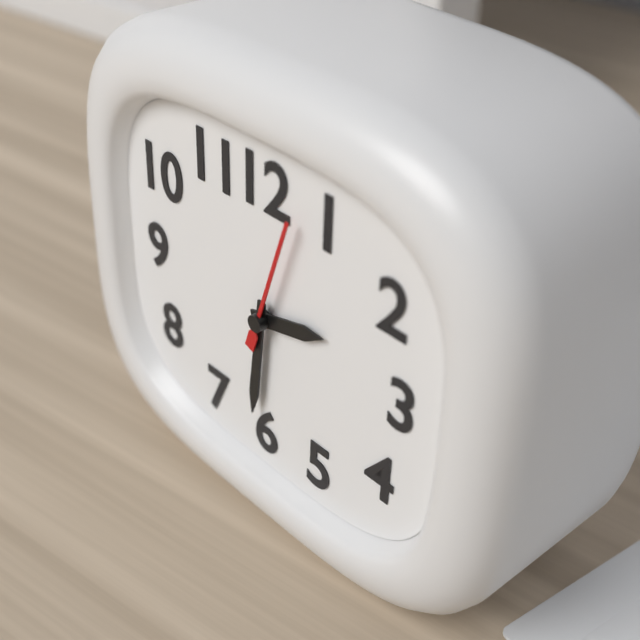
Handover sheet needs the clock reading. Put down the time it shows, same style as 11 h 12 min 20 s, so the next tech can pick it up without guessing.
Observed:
2 h 31 min 03 s
